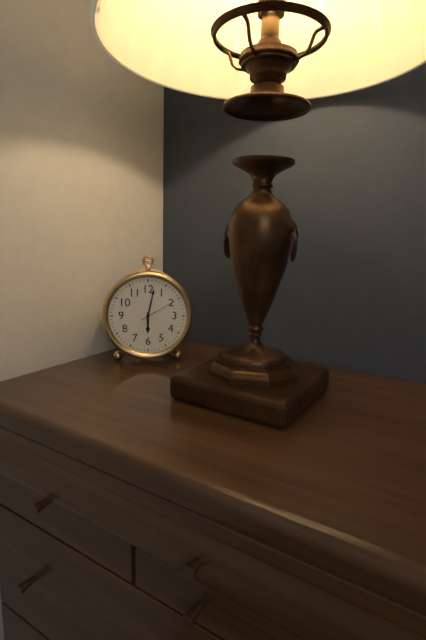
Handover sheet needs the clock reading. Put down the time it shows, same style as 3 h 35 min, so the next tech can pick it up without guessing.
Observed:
6 h 02 min
